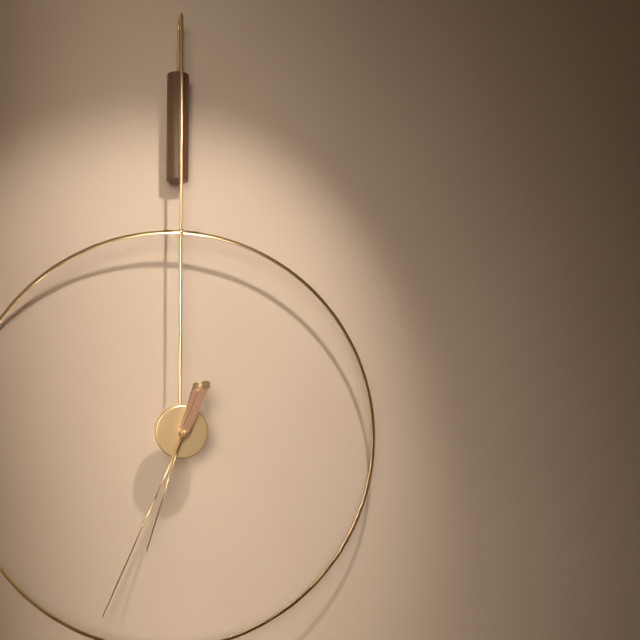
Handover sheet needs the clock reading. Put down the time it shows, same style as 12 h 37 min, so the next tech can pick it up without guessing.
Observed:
6 h 34 min
